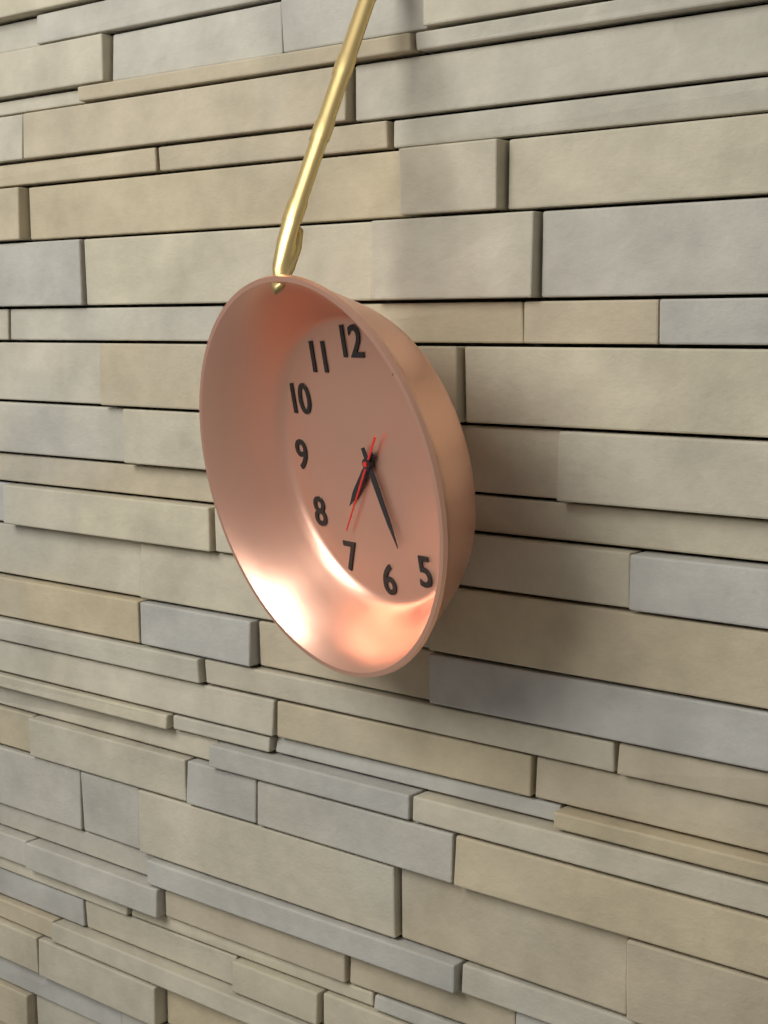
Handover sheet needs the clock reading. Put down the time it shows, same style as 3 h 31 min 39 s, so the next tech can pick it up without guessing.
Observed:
7 h 27 min 36 s
